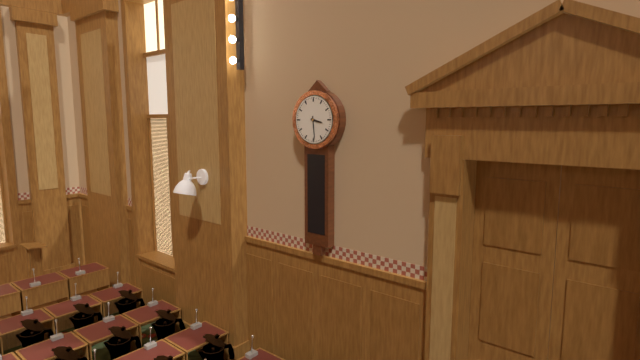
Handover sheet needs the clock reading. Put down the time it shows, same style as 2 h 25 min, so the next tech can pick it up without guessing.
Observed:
3 h 29 min
